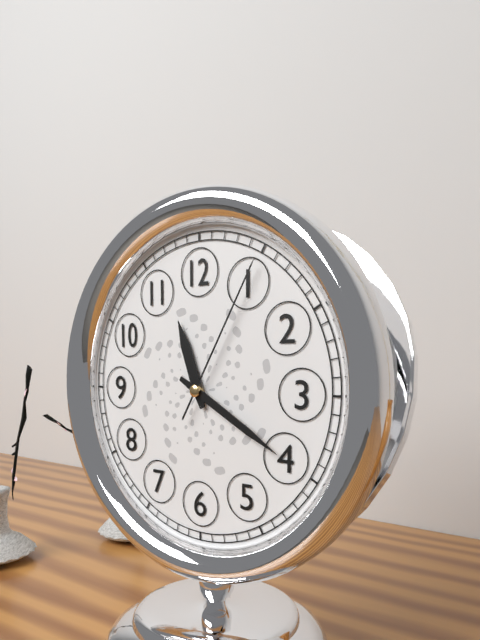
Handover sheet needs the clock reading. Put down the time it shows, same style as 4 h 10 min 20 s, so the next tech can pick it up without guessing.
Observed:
11 h 20 min 05 s
